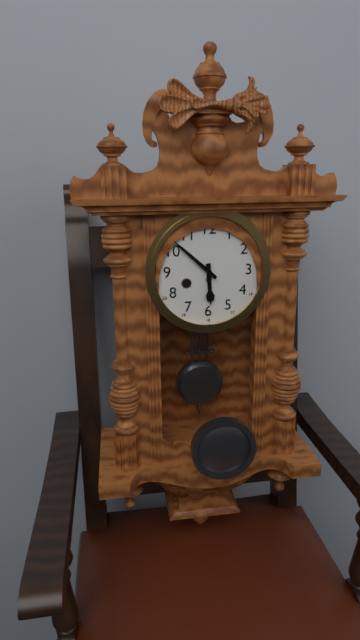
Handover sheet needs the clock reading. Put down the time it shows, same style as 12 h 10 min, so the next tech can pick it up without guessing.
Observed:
5 h 52 min
